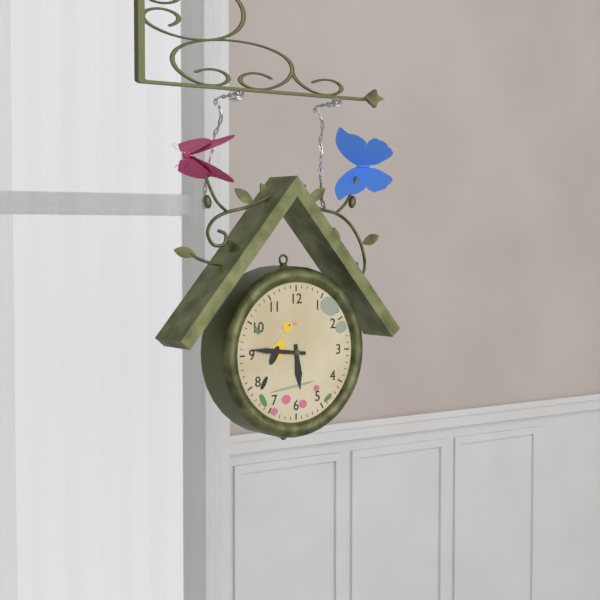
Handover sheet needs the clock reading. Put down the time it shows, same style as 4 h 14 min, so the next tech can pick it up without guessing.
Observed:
5 h 46 min
